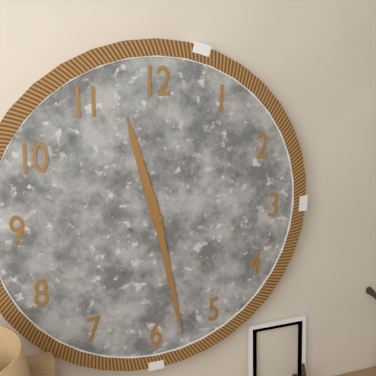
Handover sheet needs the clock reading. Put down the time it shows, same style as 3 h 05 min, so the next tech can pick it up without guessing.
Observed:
11 h 28 min
